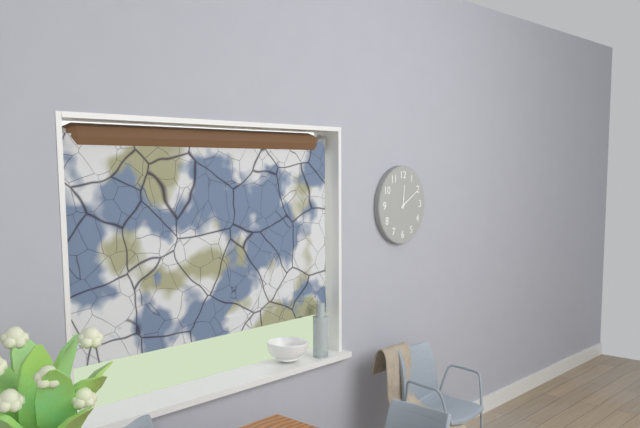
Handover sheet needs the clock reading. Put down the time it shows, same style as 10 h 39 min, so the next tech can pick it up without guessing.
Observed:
12 h 10 min
